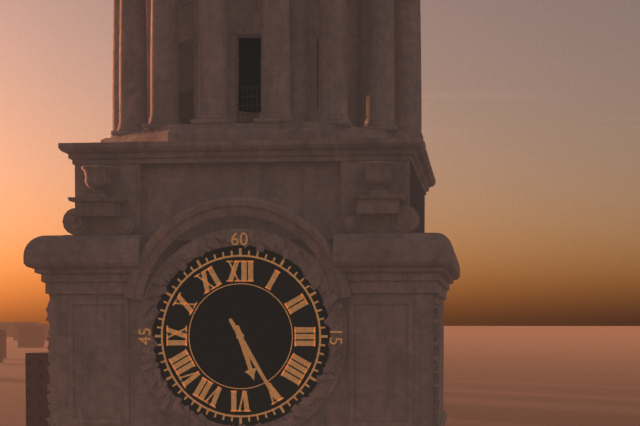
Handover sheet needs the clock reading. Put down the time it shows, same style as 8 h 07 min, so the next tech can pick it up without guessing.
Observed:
5 h 25 min
